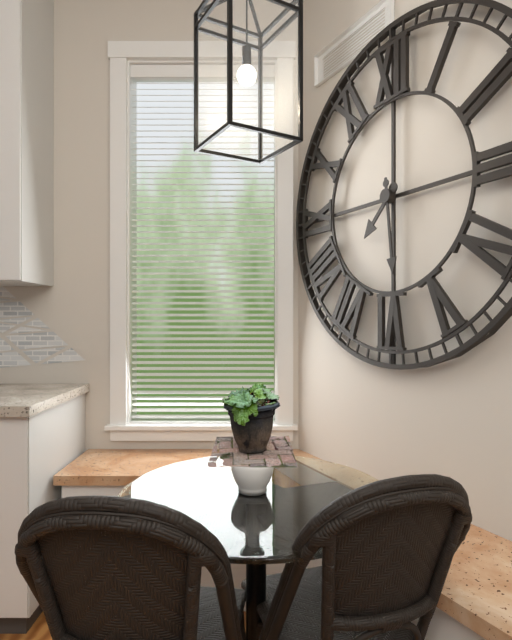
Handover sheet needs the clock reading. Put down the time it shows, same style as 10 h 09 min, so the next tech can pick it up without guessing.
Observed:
7 h 29 min
